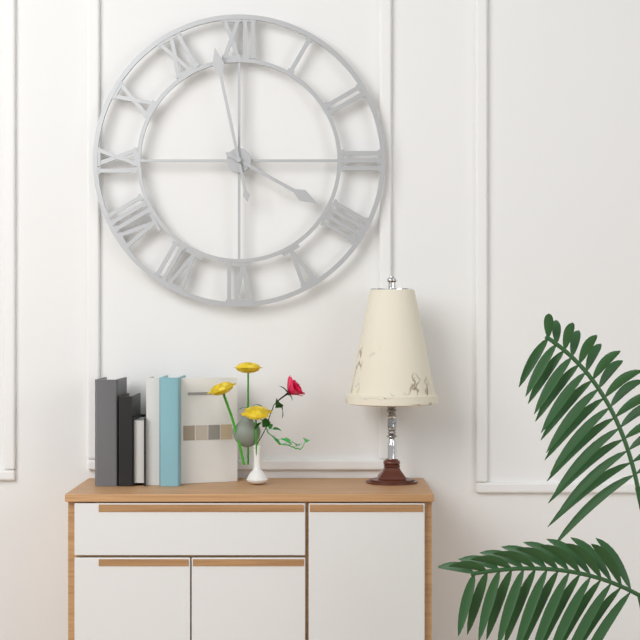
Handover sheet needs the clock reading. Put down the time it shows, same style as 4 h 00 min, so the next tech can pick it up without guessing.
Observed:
3 h 58 min
